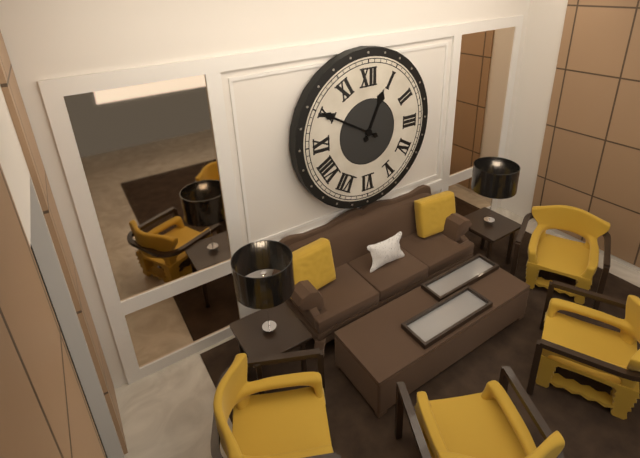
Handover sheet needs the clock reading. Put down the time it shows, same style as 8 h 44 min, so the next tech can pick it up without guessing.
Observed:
12 h 50 min
